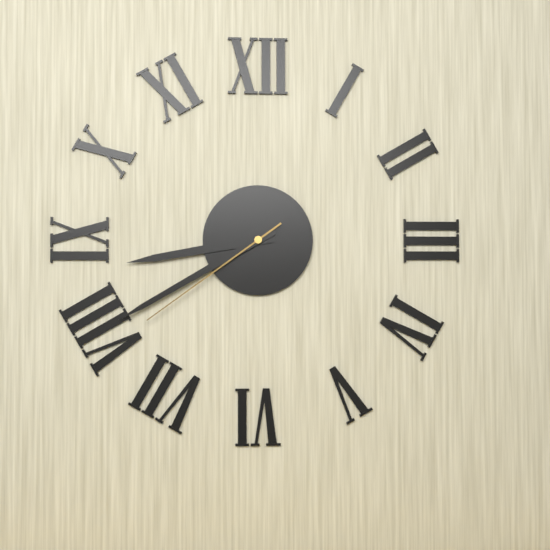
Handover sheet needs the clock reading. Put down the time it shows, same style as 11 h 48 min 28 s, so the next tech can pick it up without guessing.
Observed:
8 h 40 min 39 s
